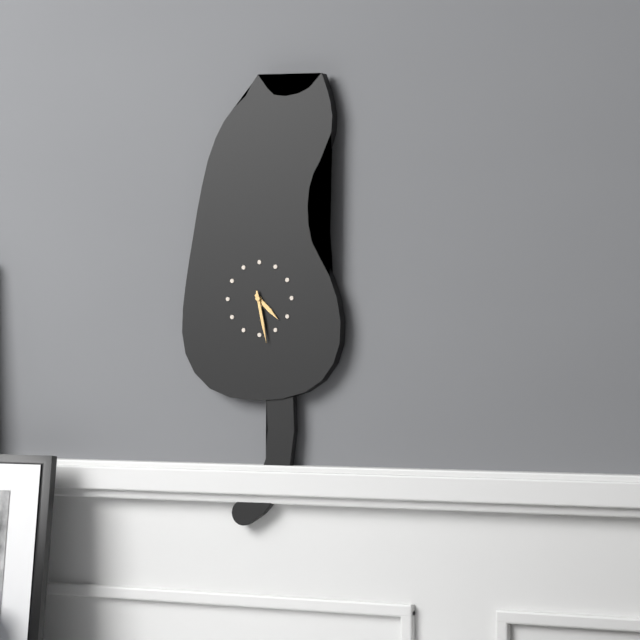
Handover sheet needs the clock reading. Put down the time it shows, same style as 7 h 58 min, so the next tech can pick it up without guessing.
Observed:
4 h 28 min
